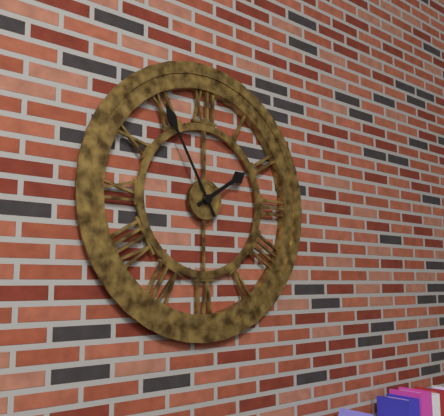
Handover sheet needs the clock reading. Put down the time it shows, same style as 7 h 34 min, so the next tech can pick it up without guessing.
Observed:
1 h 55 min
